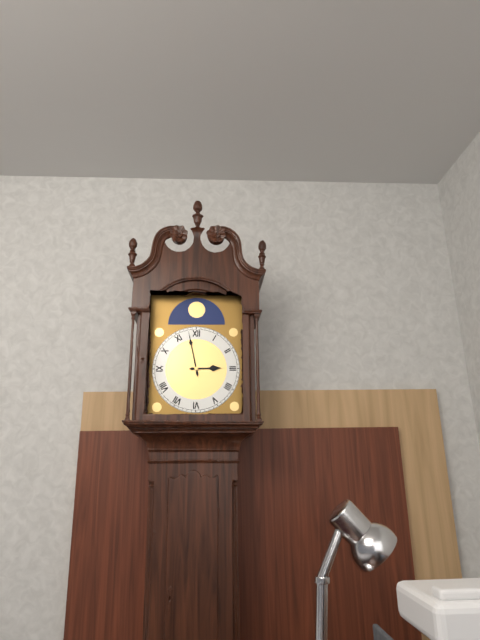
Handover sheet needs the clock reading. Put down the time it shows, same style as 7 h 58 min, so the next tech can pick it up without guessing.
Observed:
2 h 58 min
